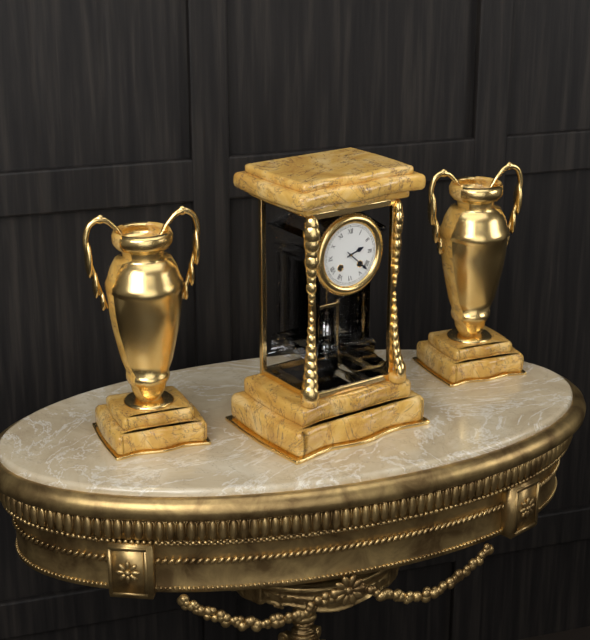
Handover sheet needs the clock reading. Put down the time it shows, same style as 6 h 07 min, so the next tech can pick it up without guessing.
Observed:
2 h 22 min
